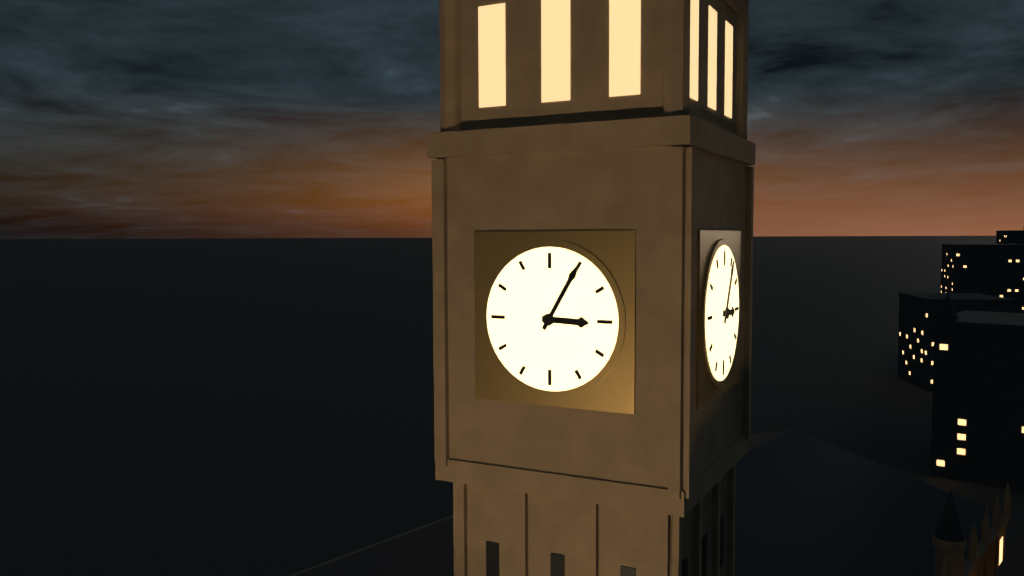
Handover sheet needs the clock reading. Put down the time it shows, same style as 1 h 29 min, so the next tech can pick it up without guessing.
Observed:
3 h 05 min
